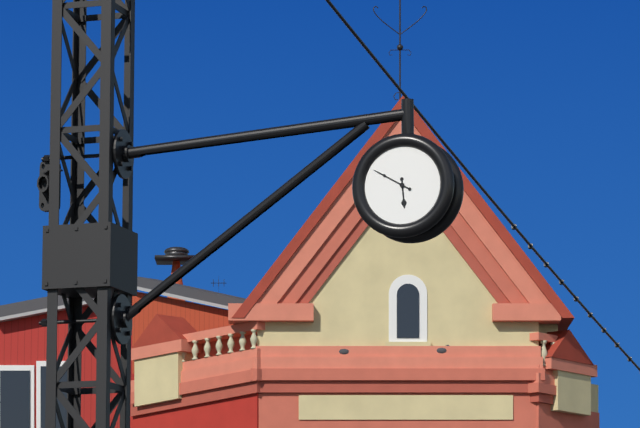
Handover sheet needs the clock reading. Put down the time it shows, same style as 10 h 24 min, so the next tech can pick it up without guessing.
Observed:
5 h 50 min
